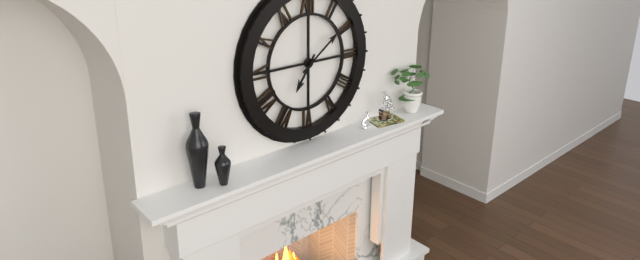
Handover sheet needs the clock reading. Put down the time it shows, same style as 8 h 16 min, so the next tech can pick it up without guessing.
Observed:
7 h 09 min
